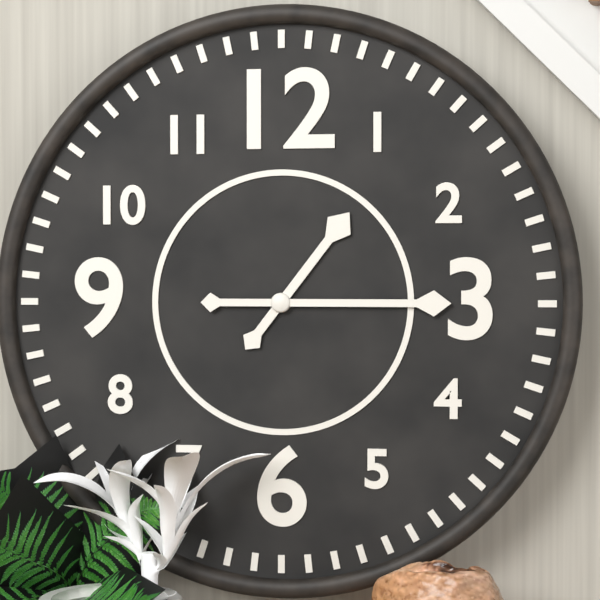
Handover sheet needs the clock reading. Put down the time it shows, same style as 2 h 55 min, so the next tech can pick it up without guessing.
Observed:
1 h 15 min
